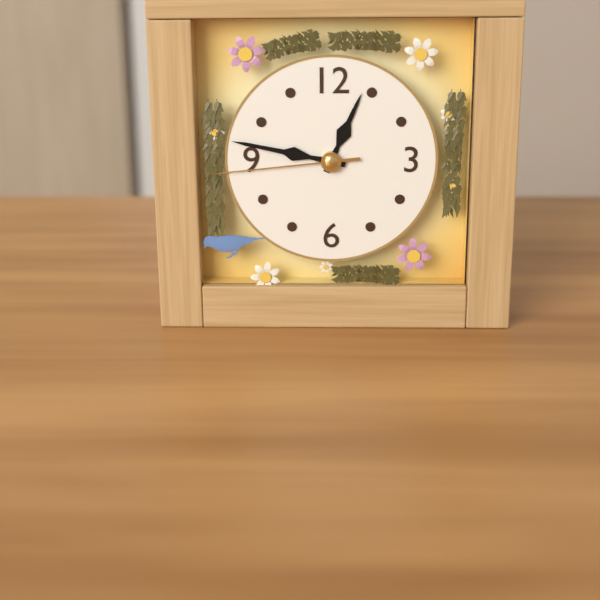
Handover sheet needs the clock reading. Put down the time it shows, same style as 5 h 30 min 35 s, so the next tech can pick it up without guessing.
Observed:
12 h 47 min 44 s
